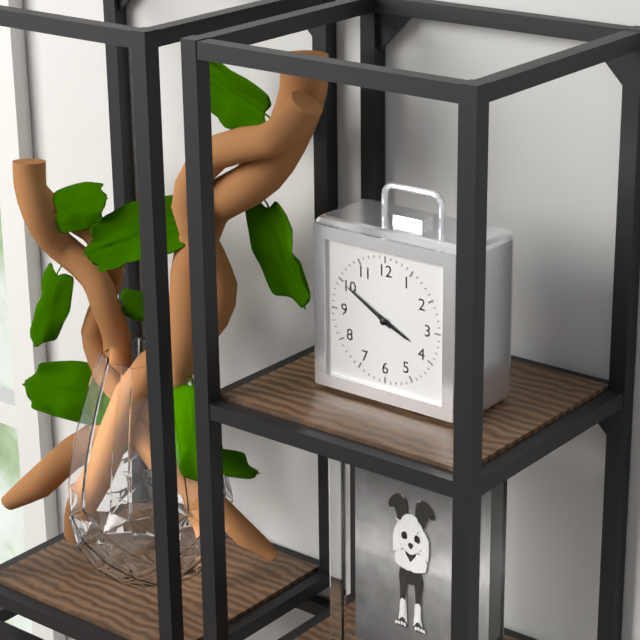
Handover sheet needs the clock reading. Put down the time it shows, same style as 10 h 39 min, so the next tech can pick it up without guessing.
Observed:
3 h 50 min
